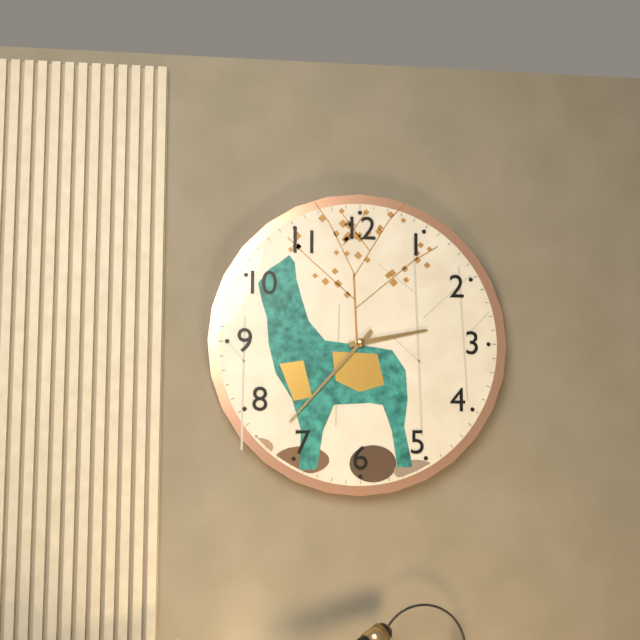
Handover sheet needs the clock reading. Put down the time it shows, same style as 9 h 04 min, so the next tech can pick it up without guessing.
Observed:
2 h 37 min
